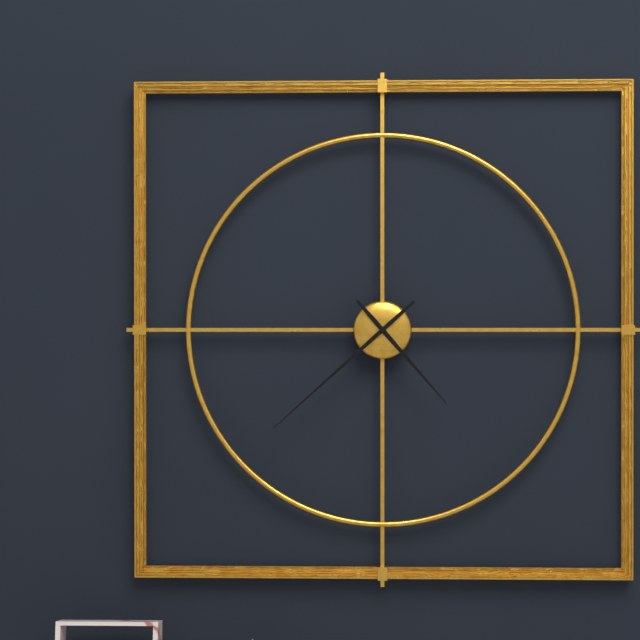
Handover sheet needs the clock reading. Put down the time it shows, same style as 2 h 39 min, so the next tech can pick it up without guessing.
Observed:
4 h 38 min
